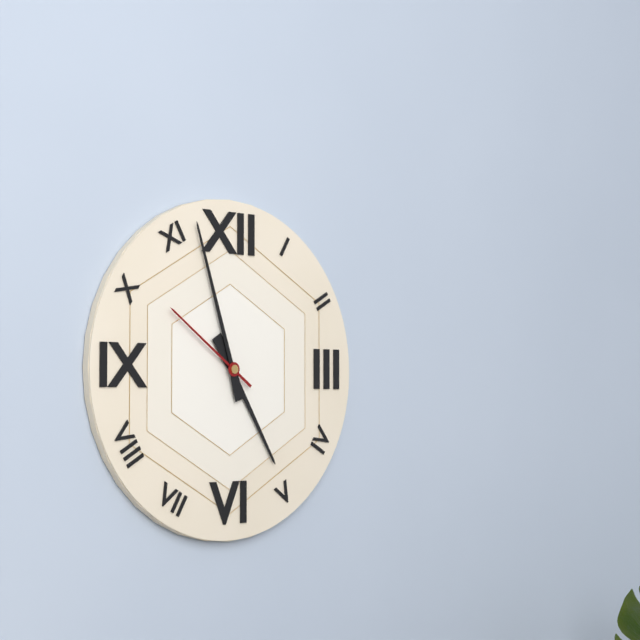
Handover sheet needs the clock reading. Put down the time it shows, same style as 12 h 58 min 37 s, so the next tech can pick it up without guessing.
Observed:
4 h 57 min 51 s
